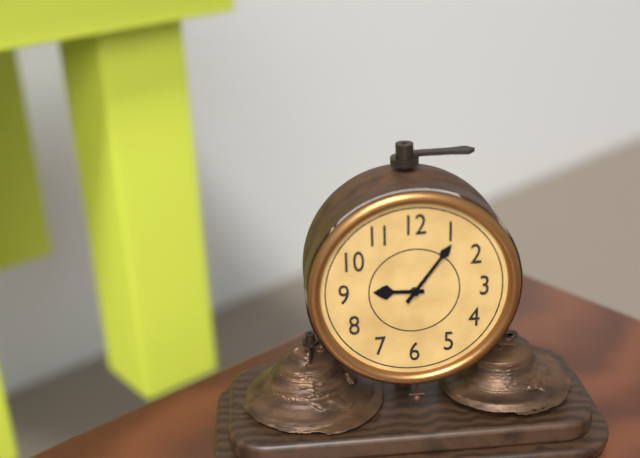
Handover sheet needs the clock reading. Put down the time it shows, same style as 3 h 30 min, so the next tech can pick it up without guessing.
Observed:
9 h 06 min
